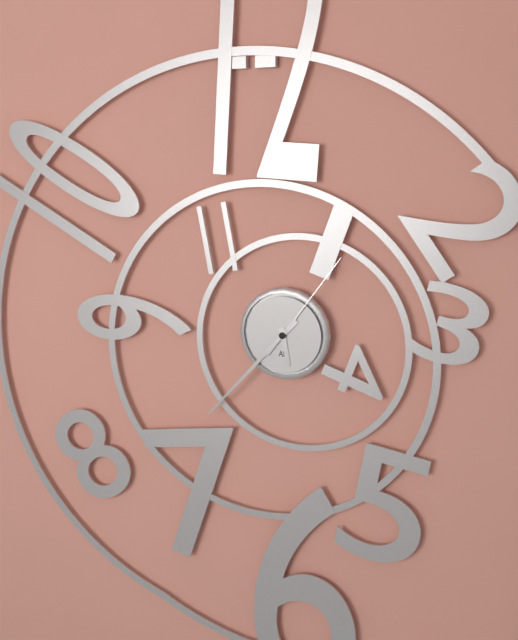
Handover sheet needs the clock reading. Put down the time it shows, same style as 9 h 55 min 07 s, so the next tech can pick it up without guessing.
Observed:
5 h 37 min 06 s
